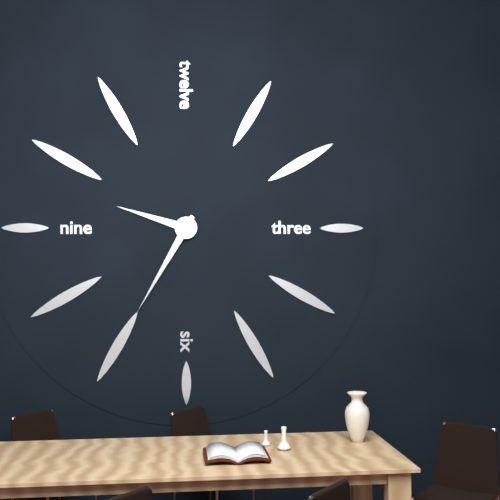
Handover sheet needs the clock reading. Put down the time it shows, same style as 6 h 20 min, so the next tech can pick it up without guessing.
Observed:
9 h 35 min
